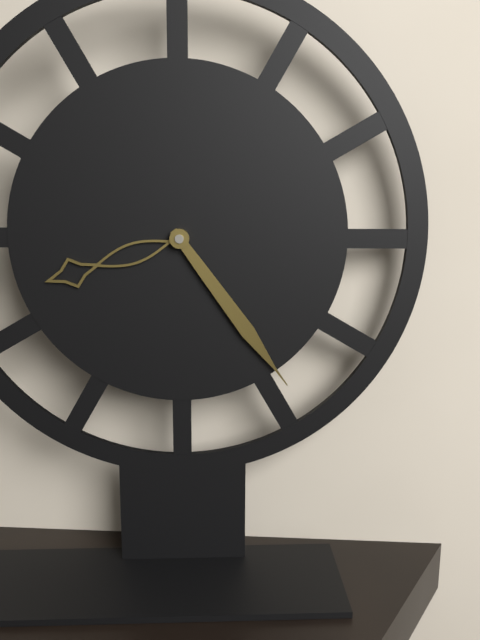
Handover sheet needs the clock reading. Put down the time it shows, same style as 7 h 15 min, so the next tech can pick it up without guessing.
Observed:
8 h 24 min
